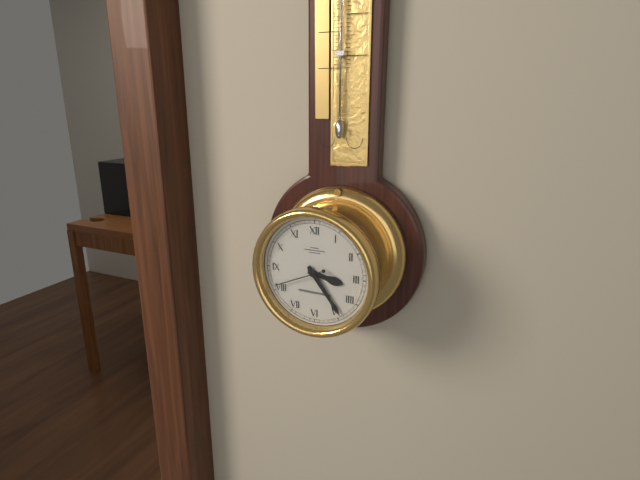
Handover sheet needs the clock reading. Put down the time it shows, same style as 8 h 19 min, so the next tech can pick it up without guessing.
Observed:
3 h 24 min
